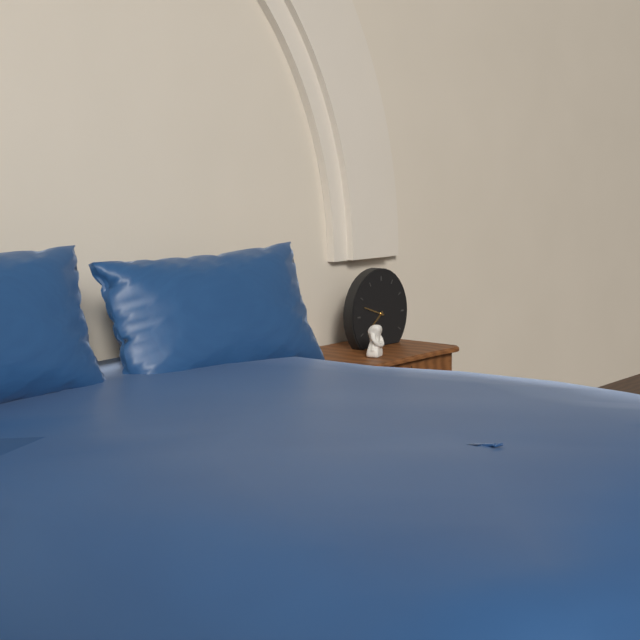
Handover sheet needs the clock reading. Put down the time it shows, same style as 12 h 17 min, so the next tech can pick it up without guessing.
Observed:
7 h 48 min
